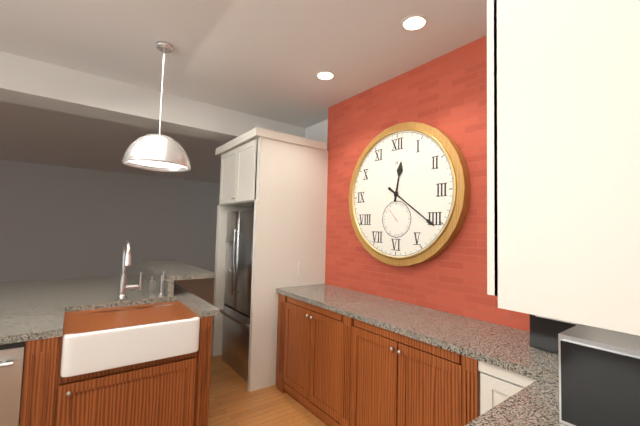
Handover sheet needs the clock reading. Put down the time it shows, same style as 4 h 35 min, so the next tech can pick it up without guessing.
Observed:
12 h 21 min
